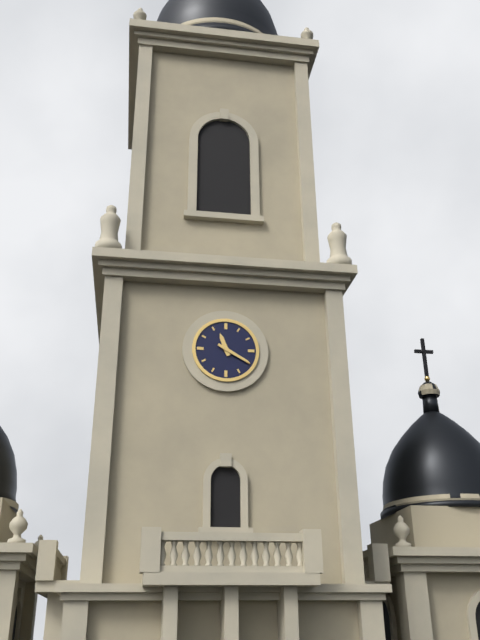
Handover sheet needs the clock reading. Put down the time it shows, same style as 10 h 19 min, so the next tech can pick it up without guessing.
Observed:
11 h 20 min
